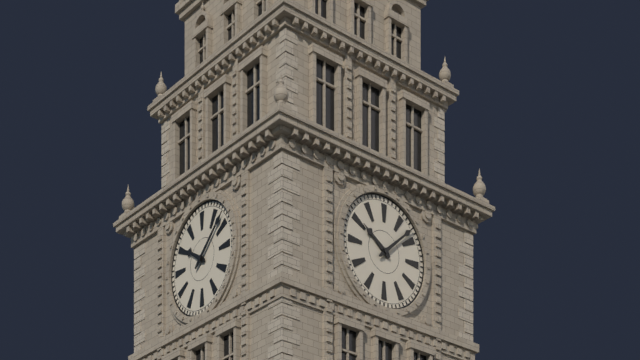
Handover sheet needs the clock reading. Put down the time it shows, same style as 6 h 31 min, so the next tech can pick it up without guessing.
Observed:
10 h 08 min
